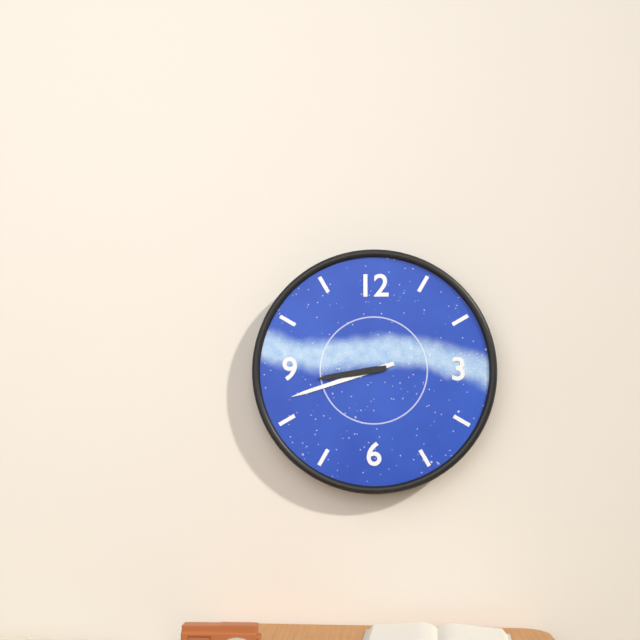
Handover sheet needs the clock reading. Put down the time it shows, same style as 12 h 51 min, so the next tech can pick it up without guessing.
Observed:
8 h 42 min
